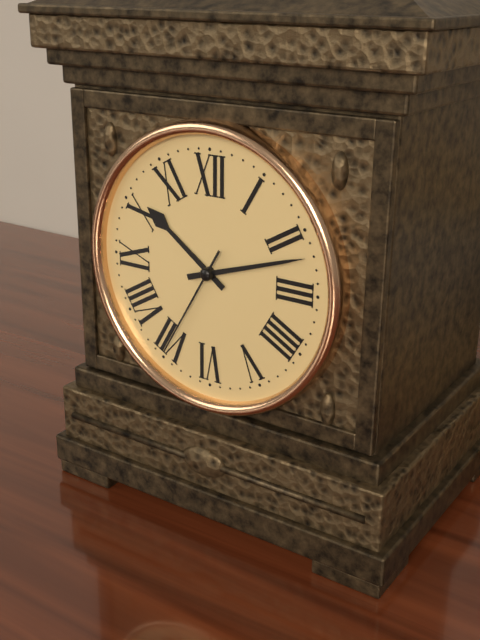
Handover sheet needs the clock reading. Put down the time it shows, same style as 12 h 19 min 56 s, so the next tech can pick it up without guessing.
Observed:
10 h 12 min 35 s
